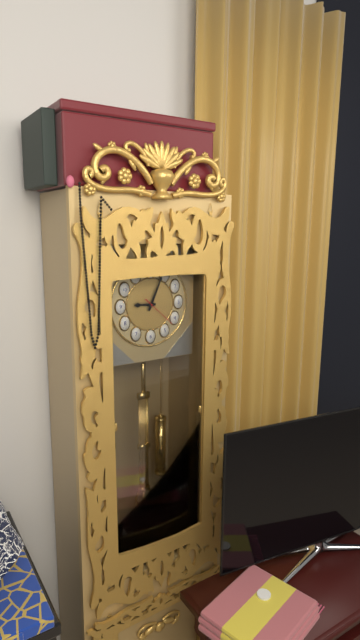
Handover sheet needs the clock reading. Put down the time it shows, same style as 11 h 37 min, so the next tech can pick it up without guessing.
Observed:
9 h 04 min
